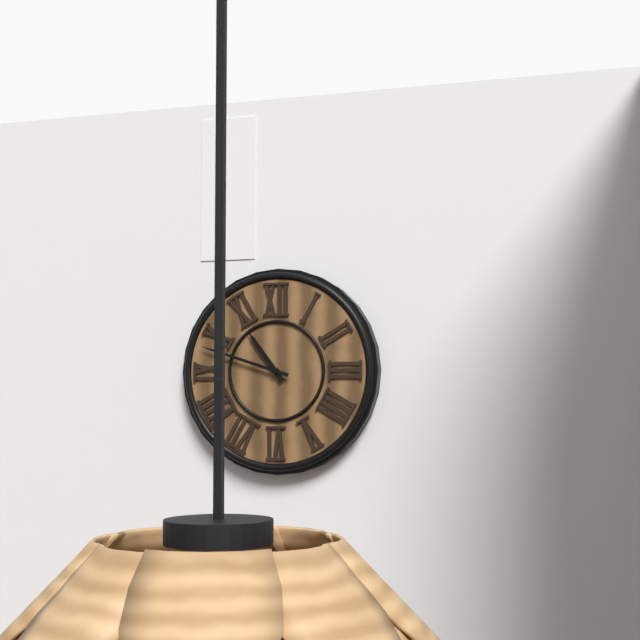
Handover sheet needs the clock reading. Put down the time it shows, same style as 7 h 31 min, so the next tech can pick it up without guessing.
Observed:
10 h 48 min
